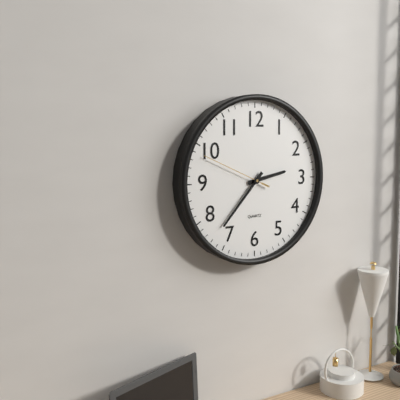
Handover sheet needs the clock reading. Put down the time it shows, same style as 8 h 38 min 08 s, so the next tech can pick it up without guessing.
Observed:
2 h 37 min 49 s
